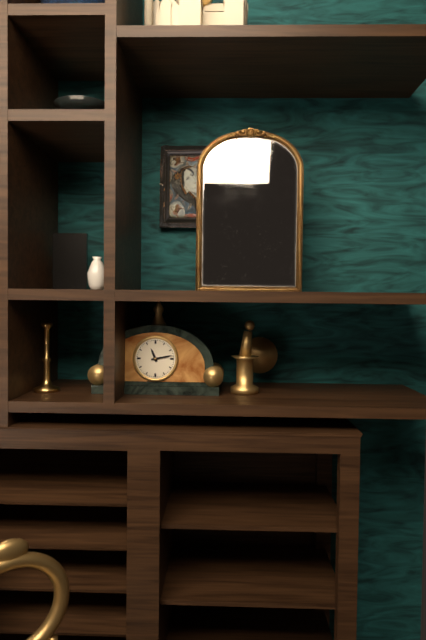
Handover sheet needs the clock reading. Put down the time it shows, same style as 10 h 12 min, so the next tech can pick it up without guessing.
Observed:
11 h 13 min
